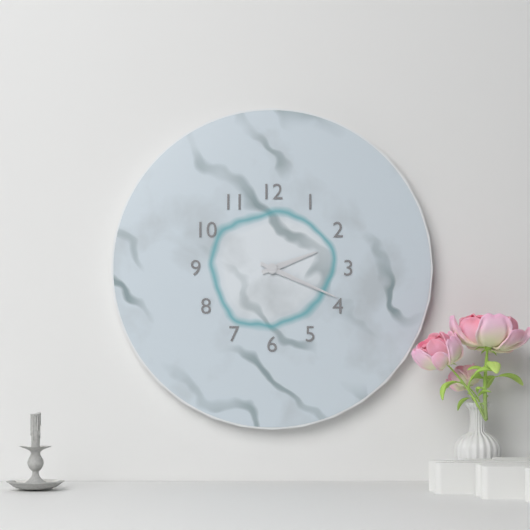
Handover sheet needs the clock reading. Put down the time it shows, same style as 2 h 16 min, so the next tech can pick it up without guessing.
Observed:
2 h 19 min
